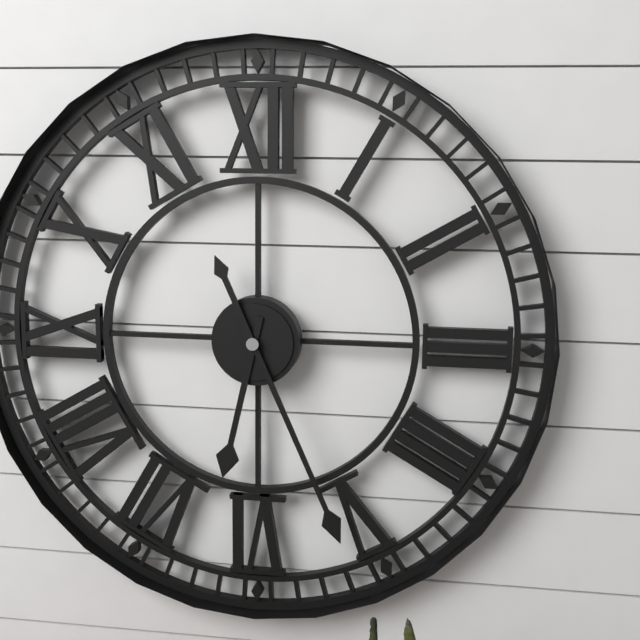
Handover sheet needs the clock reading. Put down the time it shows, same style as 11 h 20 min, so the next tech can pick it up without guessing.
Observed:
6 h 26 min
